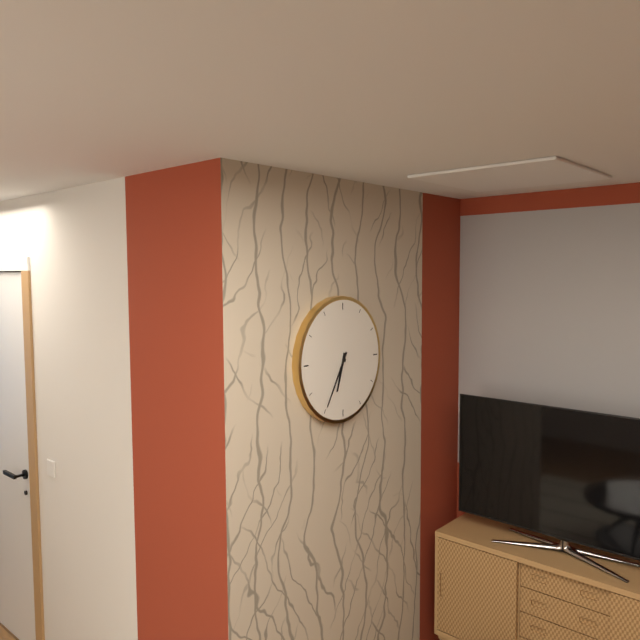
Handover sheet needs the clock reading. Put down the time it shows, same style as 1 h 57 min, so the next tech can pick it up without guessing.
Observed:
6 h 35 min
